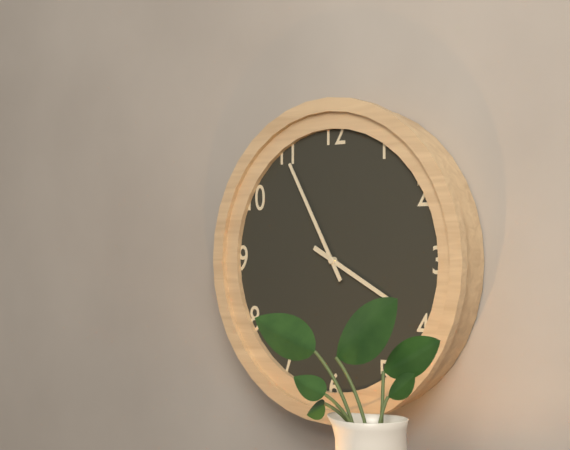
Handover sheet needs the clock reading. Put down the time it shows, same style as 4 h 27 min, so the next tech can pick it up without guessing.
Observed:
3 h 55 min
